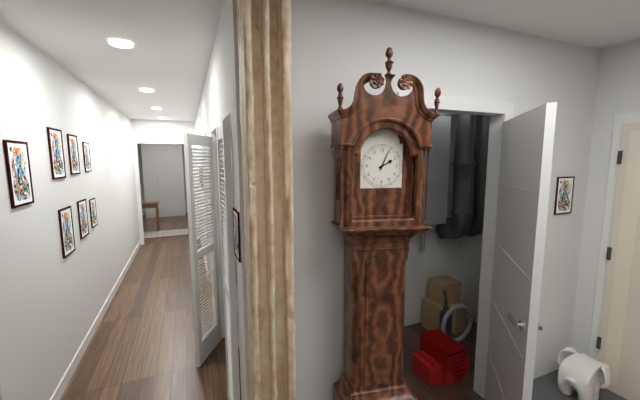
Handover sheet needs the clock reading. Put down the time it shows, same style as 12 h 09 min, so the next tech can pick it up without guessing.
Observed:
2 h 04 min
